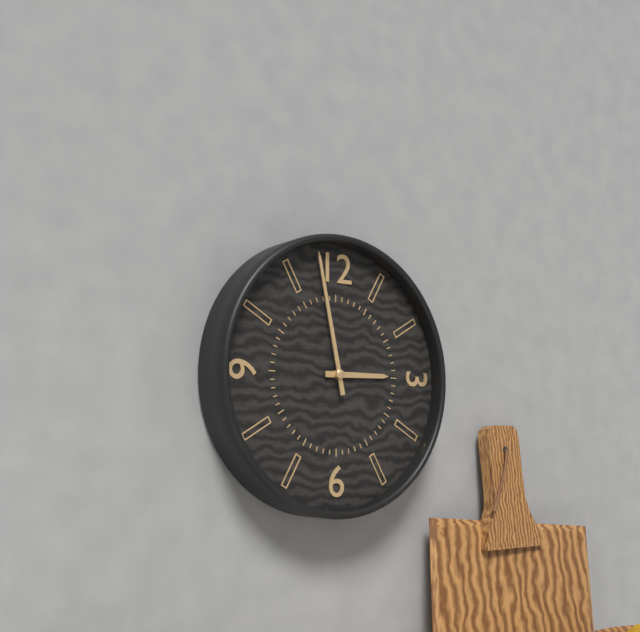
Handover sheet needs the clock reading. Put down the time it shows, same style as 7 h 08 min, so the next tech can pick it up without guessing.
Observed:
2 h 58 min
